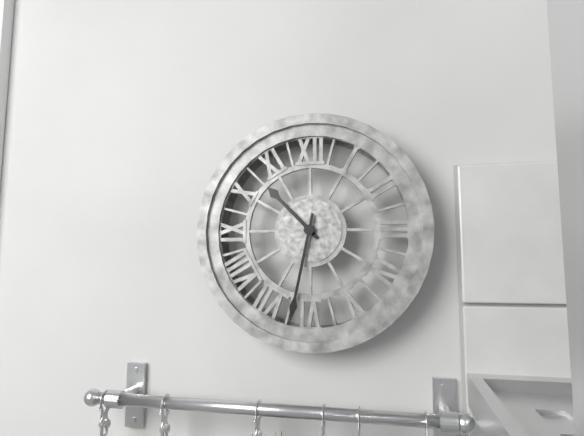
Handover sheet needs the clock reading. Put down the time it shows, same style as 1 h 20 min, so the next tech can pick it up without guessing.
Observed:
10 h 32 min
